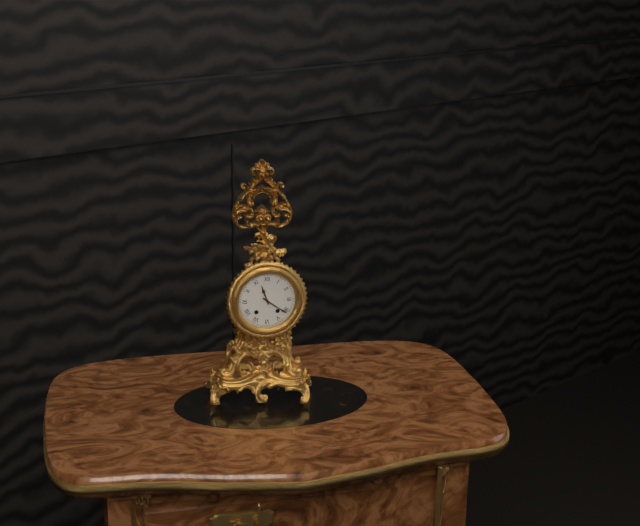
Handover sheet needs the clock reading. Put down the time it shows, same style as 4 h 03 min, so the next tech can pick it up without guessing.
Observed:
11 h 21 min
